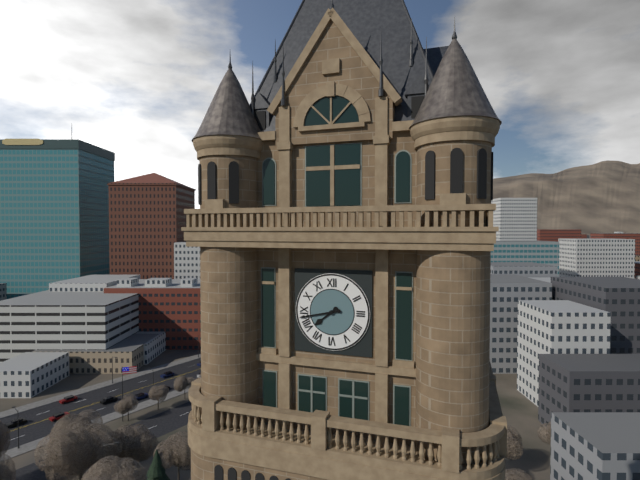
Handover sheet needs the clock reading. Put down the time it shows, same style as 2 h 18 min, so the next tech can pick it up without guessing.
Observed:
7 h 43 min
